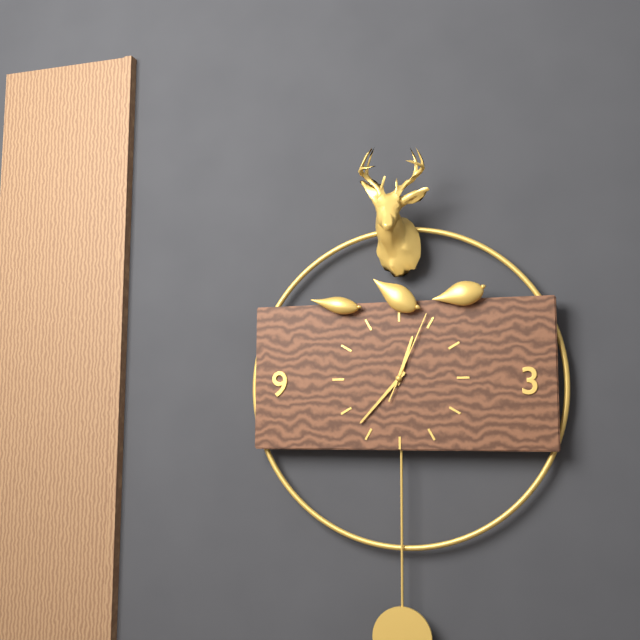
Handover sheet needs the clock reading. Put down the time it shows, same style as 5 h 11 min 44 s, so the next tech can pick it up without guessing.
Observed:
12 h 37 min 04 s
